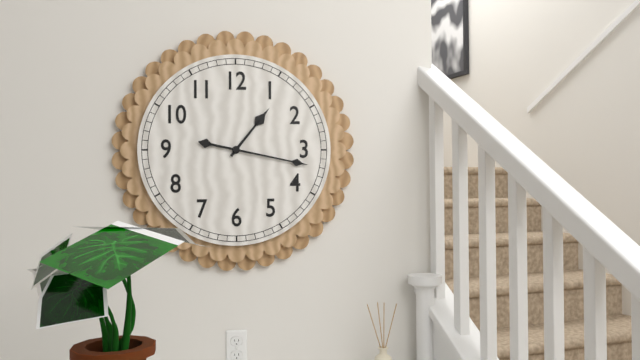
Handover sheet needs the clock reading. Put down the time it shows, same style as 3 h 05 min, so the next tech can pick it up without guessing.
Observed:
1 h 17 min
